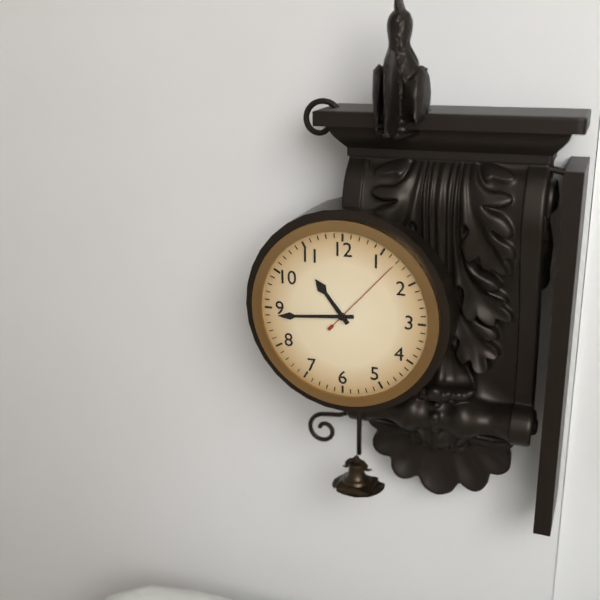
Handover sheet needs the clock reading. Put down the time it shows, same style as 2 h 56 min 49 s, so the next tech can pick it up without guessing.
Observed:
10 h 44 min 07 s
